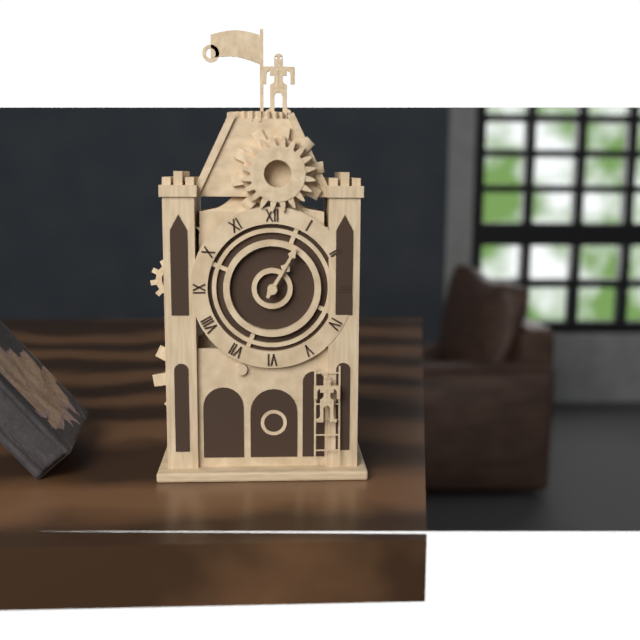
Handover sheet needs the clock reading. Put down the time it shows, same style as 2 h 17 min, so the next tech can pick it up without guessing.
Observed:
1 h 05 min
